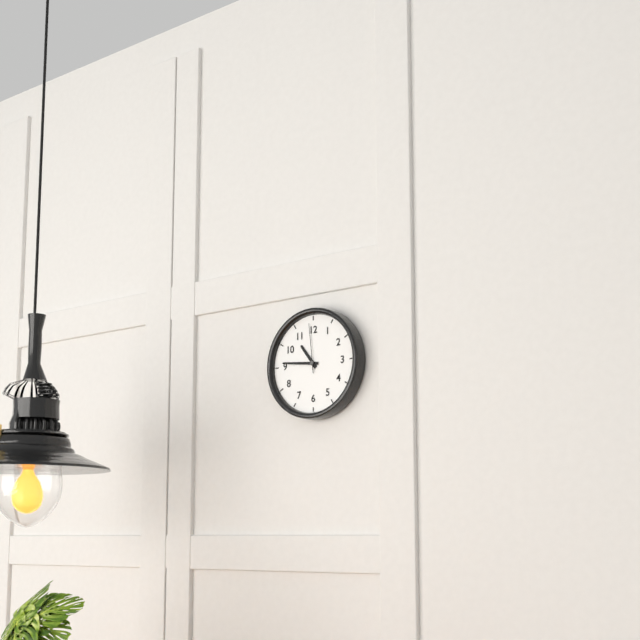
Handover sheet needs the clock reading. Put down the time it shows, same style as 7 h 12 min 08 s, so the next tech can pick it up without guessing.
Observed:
10 h 46 min 59 s
